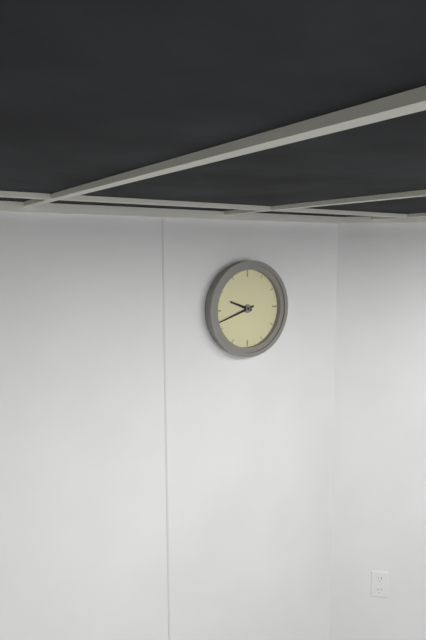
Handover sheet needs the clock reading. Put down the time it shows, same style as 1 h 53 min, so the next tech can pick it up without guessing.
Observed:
9 h 42 min
